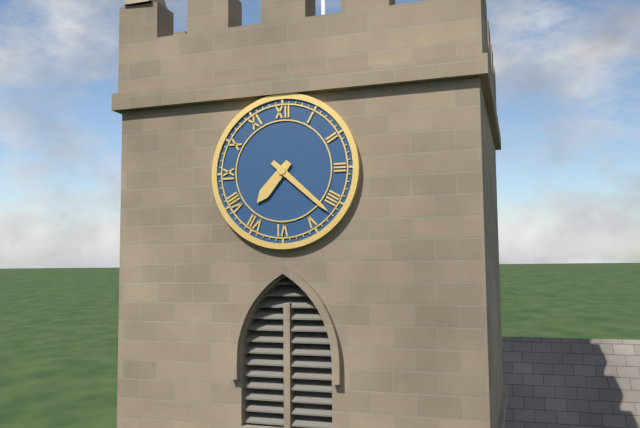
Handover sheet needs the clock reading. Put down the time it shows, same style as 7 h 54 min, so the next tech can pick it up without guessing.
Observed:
7 h 22 min
